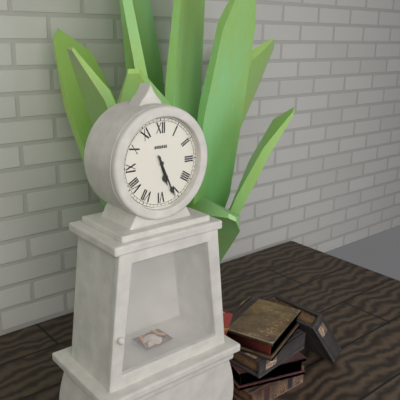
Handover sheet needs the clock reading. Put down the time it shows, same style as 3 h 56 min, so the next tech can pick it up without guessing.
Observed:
5 h 26 min
